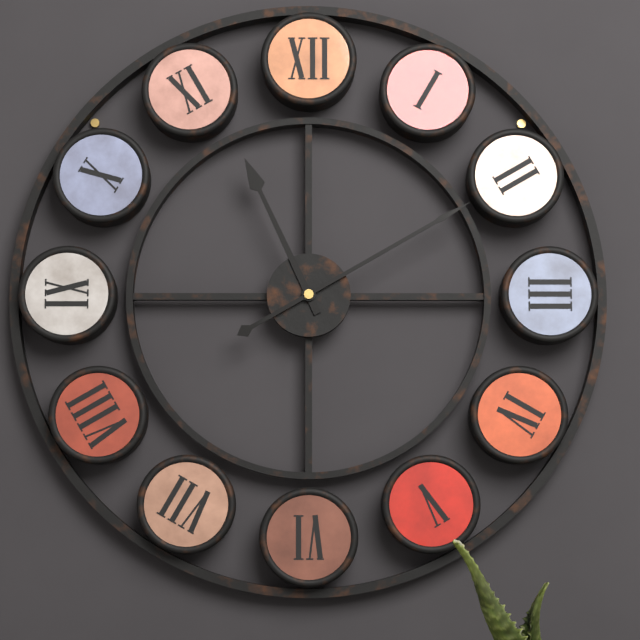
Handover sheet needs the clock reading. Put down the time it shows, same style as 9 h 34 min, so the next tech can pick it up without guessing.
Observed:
11 h 10 min
